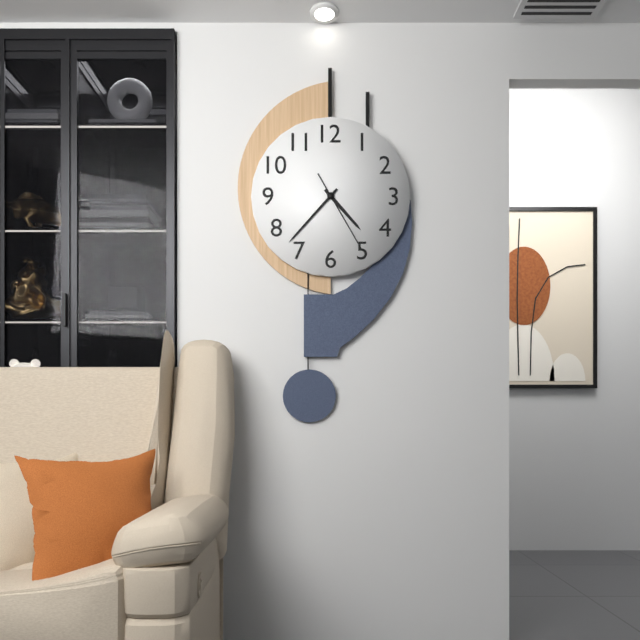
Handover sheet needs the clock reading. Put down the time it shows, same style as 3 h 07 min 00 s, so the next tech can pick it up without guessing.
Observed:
4 h 37 min 25 s
